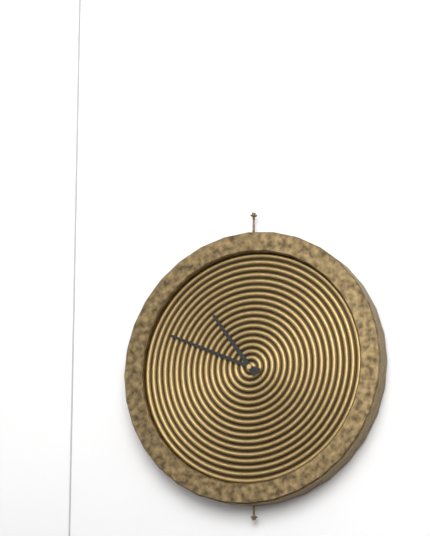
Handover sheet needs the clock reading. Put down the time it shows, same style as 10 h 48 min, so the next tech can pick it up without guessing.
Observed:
10 h 49 min
